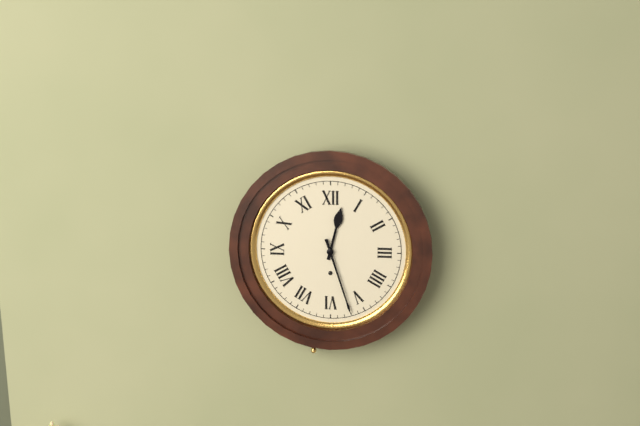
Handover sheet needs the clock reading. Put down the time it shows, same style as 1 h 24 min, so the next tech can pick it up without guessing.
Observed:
12 h 27 min
